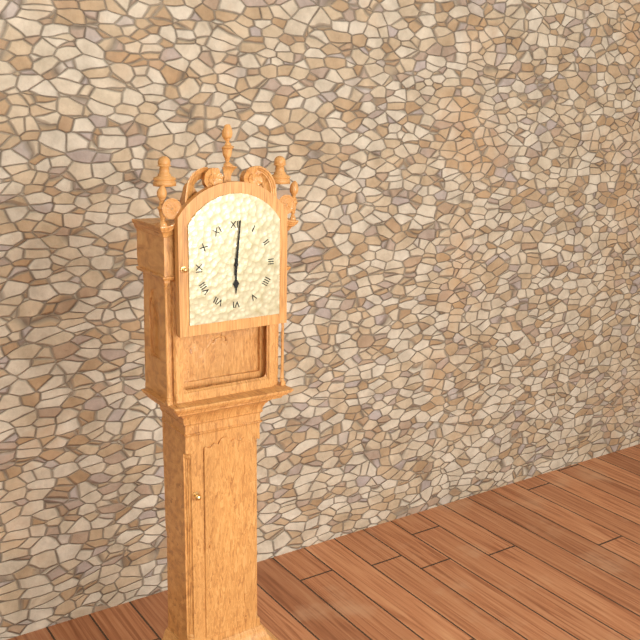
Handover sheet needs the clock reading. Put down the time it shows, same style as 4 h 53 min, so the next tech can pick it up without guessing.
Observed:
6 h 01 min
